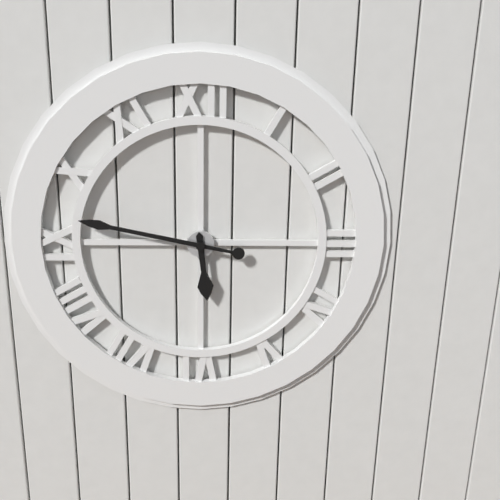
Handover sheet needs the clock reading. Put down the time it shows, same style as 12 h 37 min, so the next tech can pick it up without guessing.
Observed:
5 h 47 min
